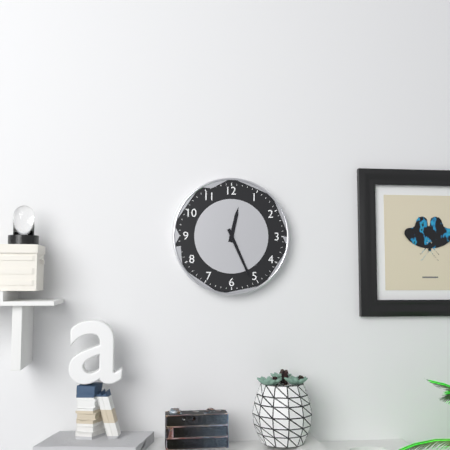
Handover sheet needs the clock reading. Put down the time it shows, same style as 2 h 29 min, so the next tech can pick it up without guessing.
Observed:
12 h 26 min
